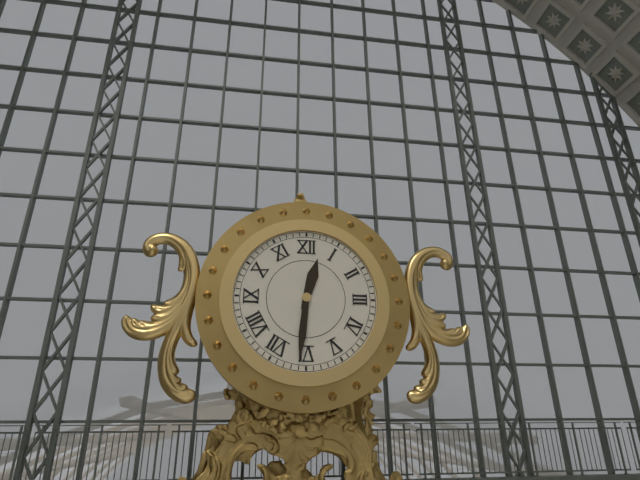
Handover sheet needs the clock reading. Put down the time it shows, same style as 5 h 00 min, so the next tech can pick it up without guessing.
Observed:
12 h 31 min
